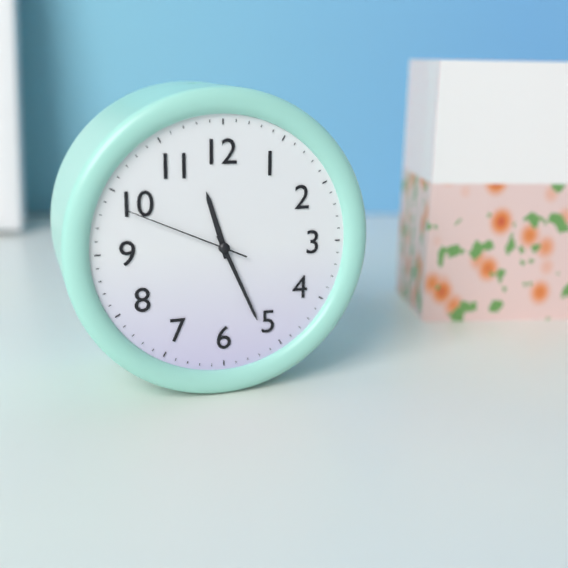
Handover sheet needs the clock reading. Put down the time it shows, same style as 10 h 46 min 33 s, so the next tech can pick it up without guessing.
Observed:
11 h 26 min 49 s
